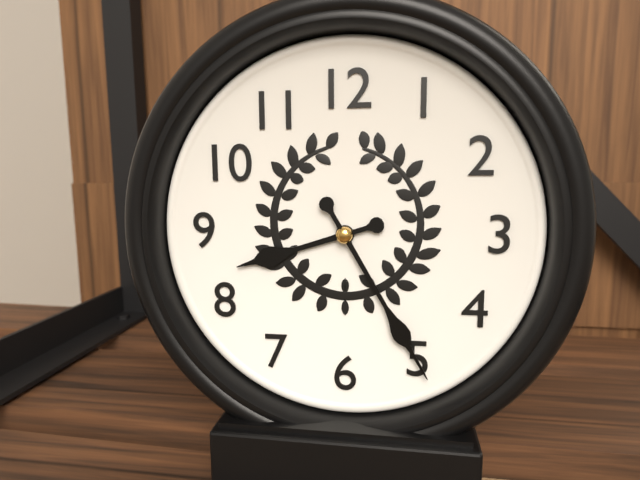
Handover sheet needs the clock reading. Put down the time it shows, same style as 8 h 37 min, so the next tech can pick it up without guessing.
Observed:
8 h 25 min
